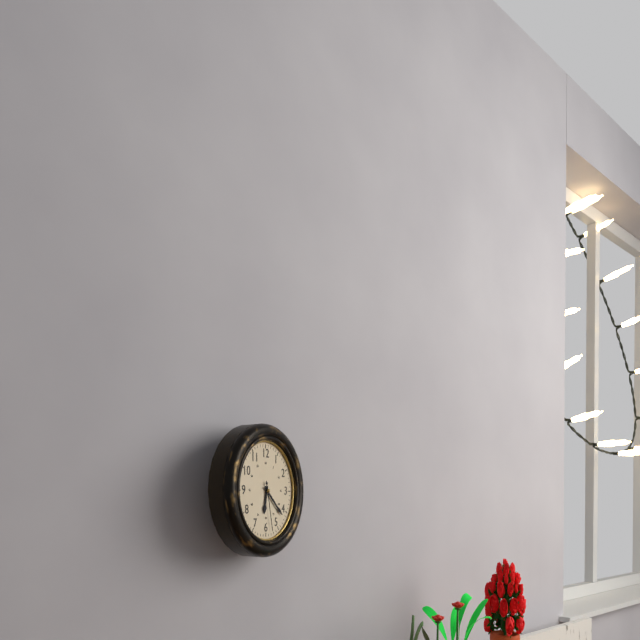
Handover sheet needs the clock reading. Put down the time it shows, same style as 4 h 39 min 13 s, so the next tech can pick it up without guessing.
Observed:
6 h 22 min 28 s
